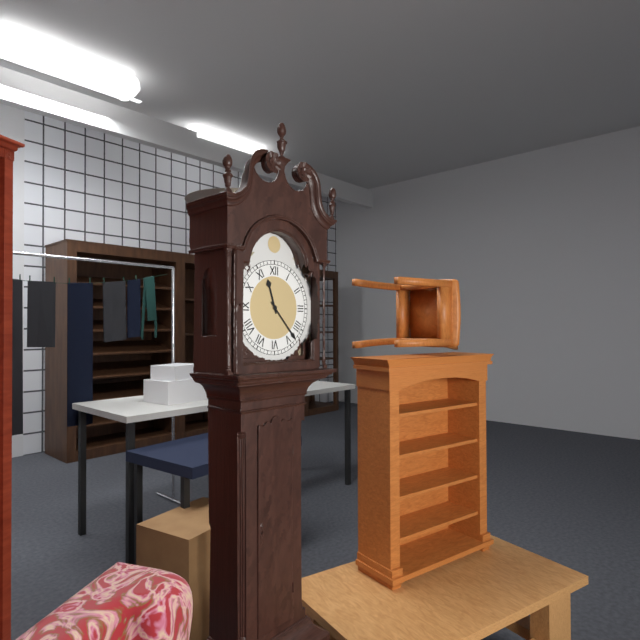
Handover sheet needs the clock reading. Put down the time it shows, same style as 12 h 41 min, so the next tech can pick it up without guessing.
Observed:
11 h 23 min
